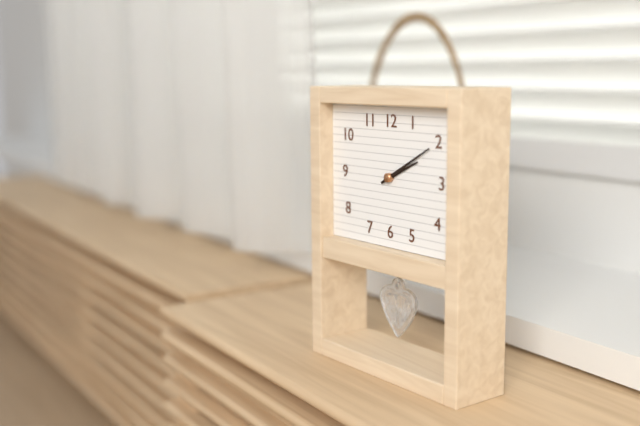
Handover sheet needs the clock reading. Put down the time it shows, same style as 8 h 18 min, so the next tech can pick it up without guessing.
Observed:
2 h 10 min
